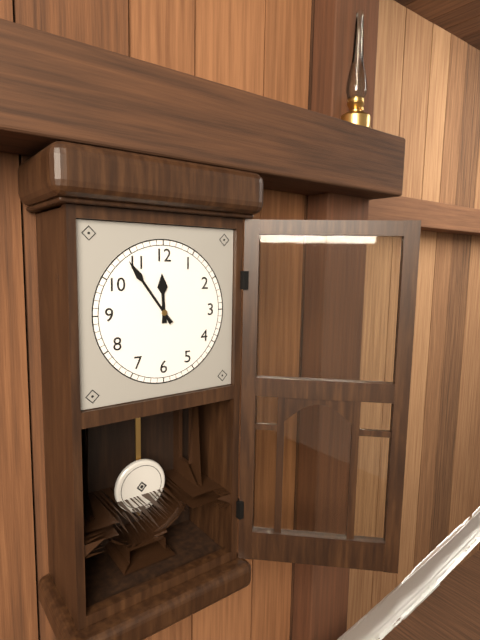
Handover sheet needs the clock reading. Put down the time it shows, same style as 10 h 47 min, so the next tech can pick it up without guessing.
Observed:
11 h 54 min
